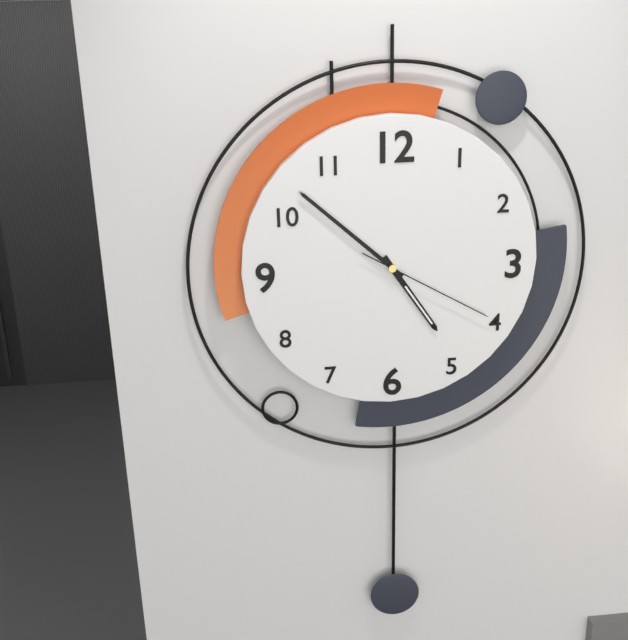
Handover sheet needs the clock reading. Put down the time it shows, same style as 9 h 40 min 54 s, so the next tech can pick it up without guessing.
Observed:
4 h 52 min 20 s
